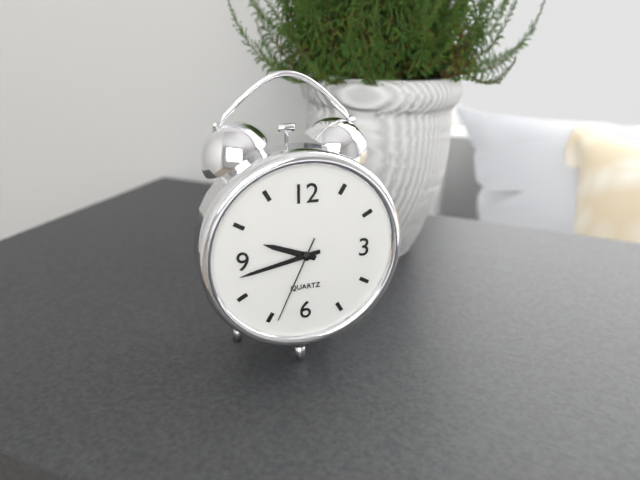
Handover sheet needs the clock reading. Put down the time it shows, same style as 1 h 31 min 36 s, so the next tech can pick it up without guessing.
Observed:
9 h 43 min 34 s
